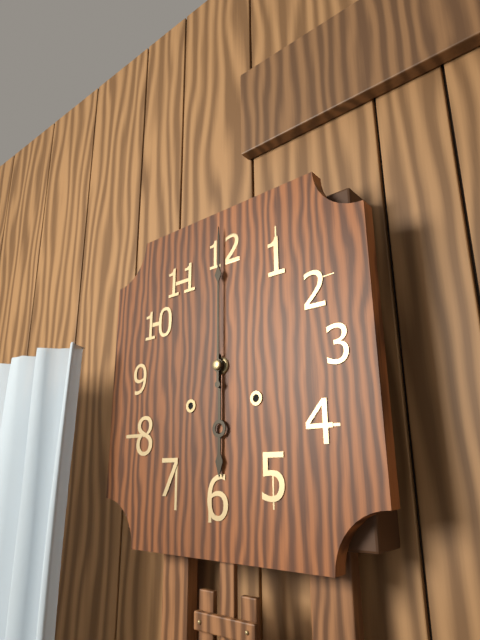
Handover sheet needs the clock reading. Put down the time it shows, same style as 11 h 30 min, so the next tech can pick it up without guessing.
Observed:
6 h 00 min
